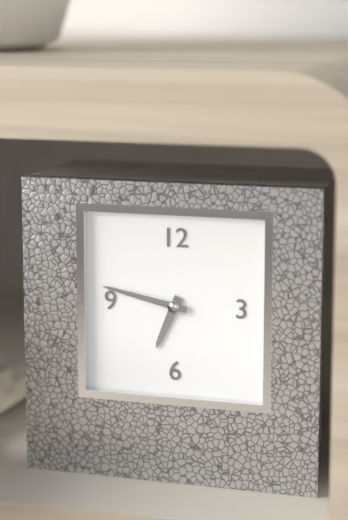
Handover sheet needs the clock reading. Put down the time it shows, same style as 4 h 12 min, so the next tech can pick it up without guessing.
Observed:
6 h 47 min
